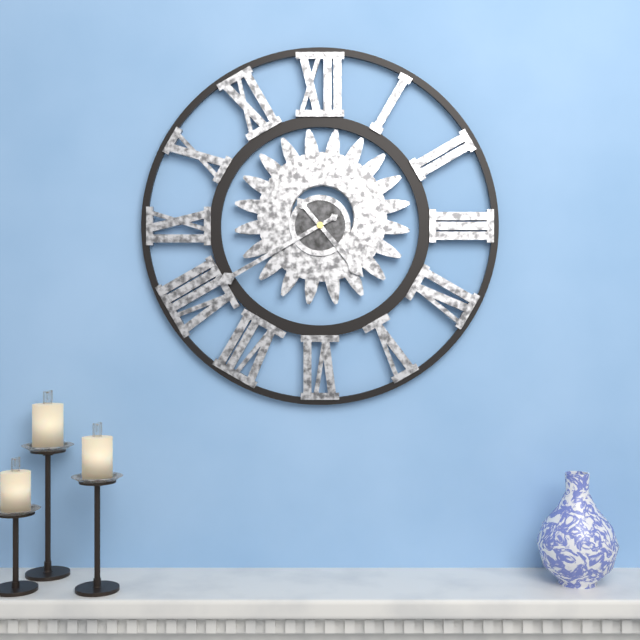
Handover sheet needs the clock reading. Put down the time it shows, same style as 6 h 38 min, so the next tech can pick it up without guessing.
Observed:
4 h 40 min
